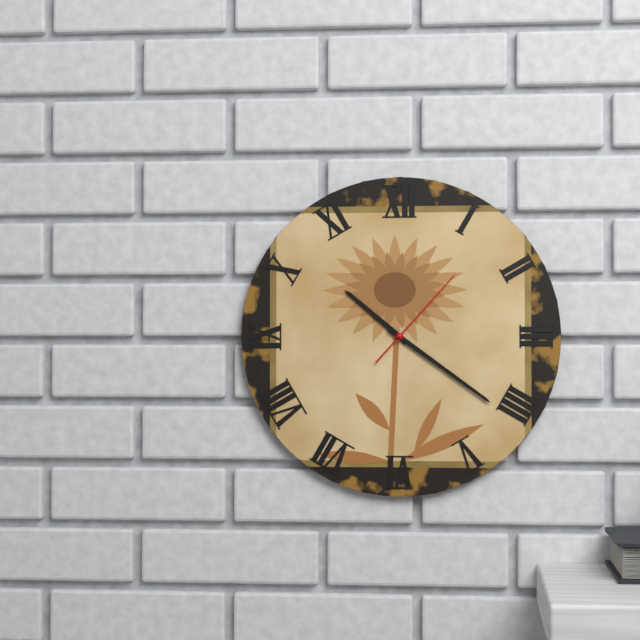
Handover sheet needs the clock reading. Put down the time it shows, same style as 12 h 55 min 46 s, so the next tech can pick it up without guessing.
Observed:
10 h 21 min 07 s
